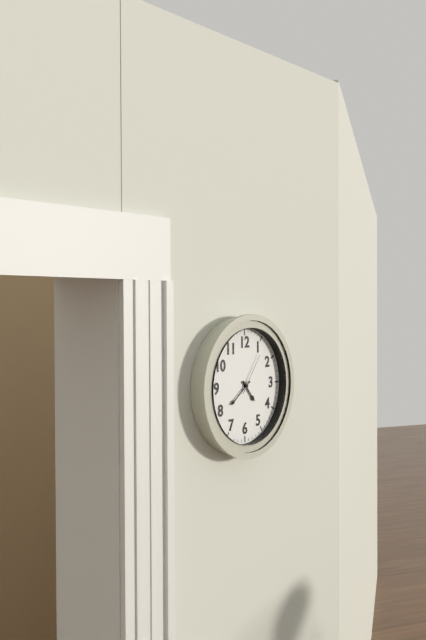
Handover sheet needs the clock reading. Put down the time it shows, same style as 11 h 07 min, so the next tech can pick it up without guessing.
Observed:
4 h 39 min
